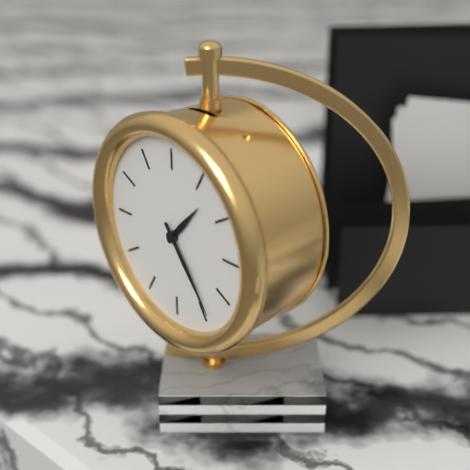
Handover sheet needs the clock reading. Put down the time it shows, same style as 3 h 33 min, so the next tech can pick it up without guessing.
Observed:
1 h 24 min
